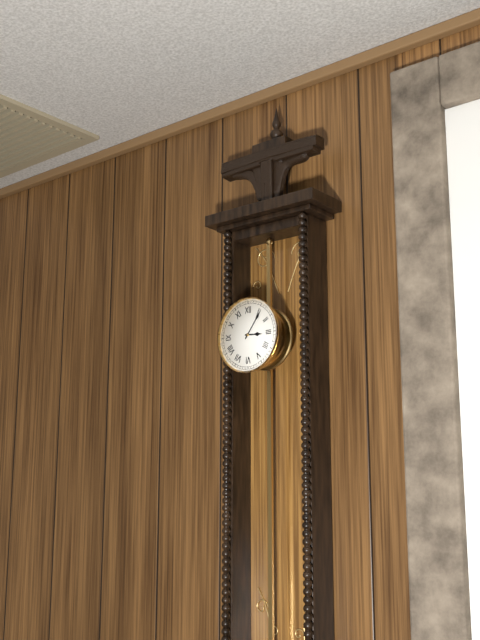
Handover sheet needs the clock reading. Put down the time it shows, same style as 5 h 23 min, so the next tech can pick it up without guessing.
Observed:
3 h 06 min
